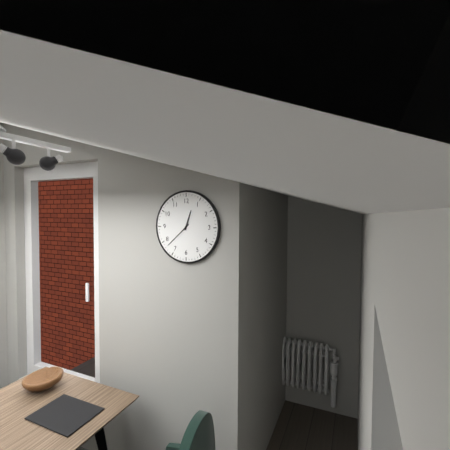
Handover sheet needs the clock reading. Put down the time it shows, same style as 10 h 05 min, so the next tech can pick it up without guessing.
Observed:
12 h 38 min
